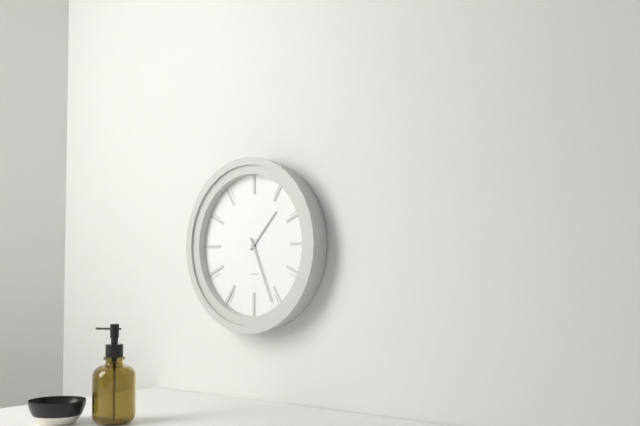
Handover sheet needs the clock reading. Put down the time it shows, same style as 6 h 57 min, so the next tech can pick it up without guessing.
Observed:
1 h 26 min
